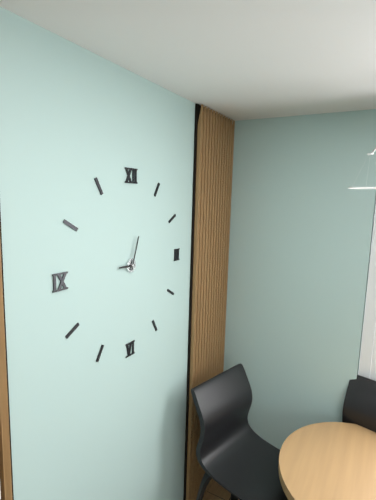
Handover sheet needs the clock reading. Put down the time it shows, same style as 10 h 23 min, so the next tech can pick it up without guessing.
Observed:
9 h 03 min
